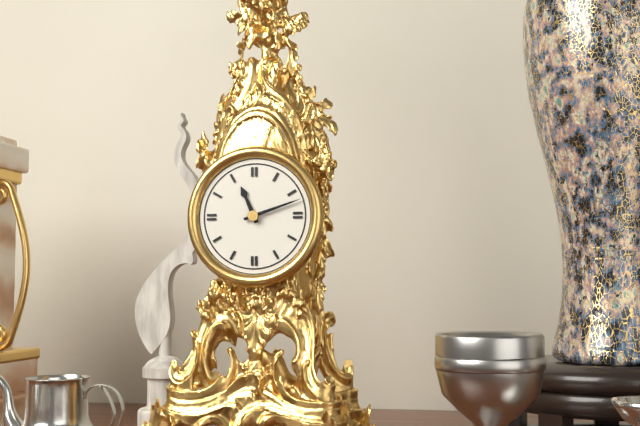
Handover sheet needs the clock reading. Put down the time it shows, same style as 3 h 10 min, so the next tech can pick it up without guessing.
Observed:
11 h 12 min
